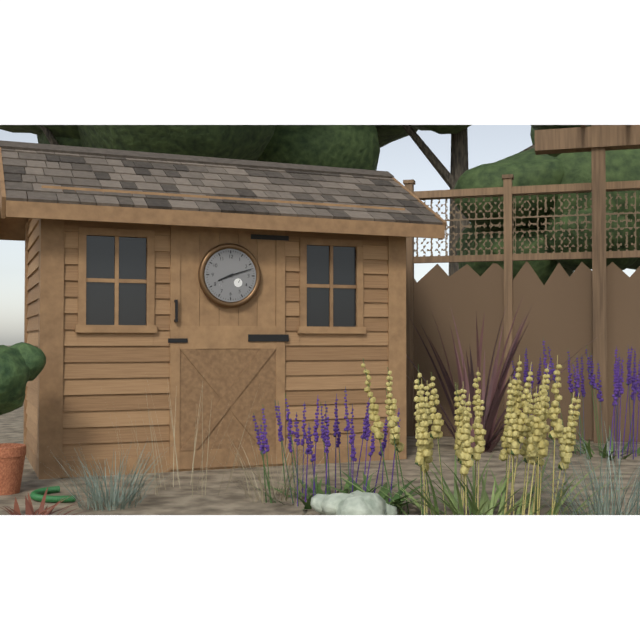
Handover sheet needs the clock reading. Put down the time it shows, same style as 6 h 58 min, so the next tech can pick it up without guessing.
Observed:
8 h 12 min
